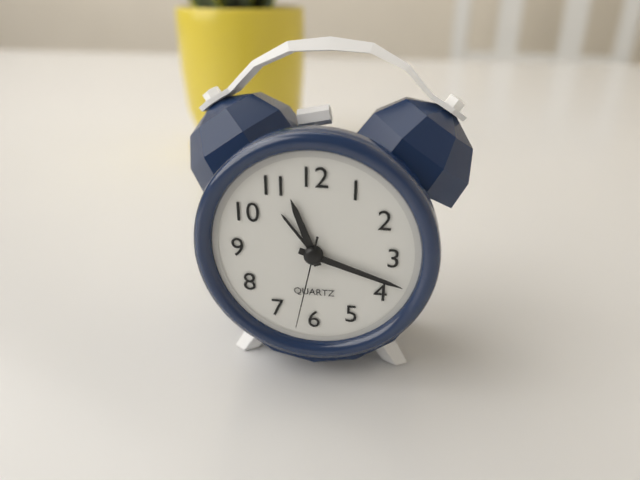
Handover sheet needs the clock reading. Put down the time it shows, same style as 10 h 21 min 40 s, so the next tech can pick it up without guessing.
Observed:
11 h 18 min 32 s
